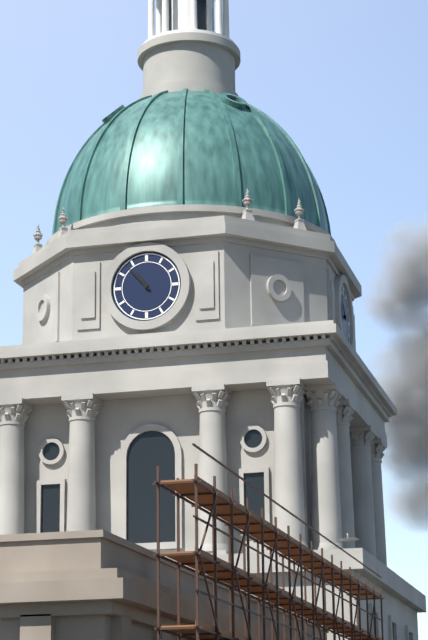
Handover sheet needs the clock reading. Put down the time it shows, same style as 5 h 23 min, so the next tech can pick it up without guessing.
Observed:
10 h 53 min
